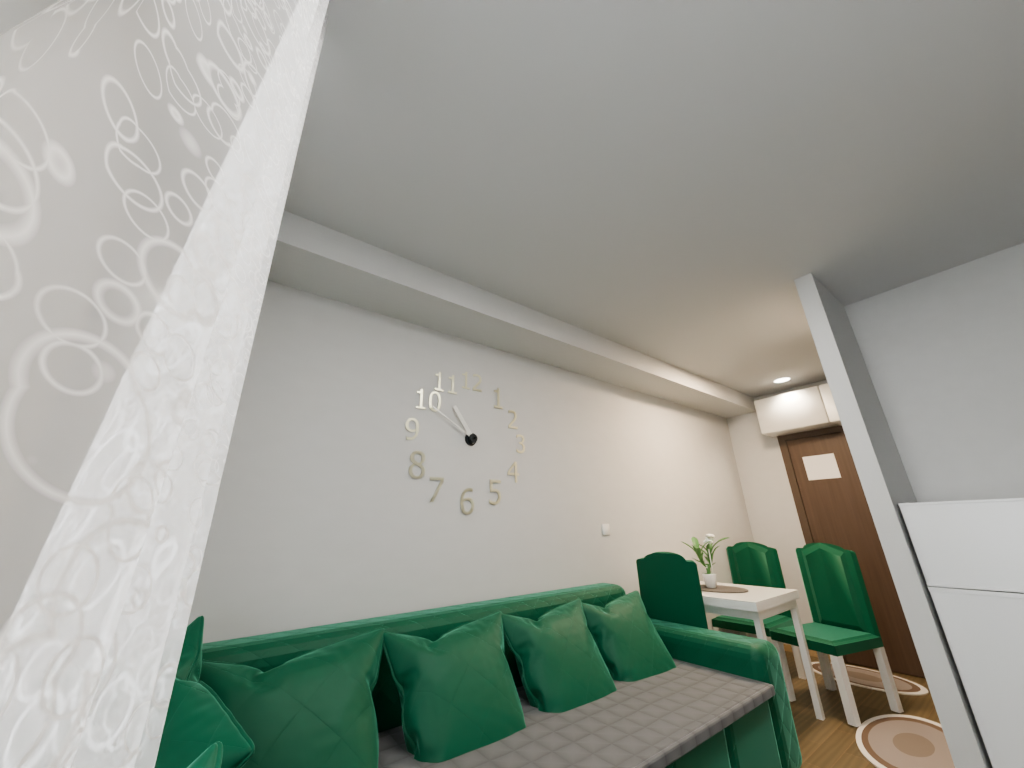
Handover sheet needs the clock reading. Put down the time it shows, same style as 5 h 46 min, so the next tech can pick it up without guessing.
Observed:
10 h 50 min
